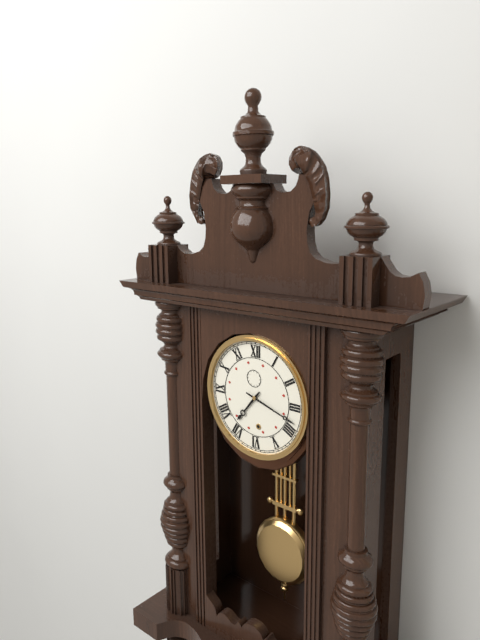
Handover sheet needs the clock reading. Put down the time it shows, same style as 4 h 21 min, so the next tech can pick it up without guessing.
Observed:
7 h 18 min
